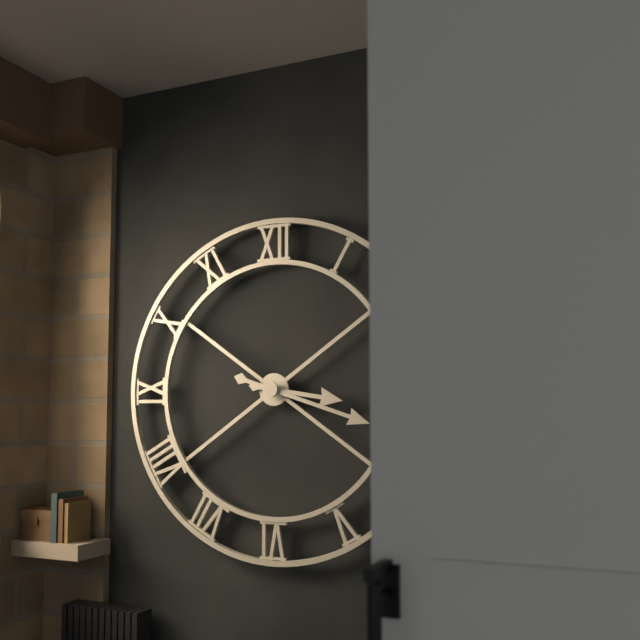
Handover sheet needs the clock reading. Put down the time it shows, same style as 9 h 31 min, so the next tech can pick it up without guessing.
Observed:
3 h 18 min
